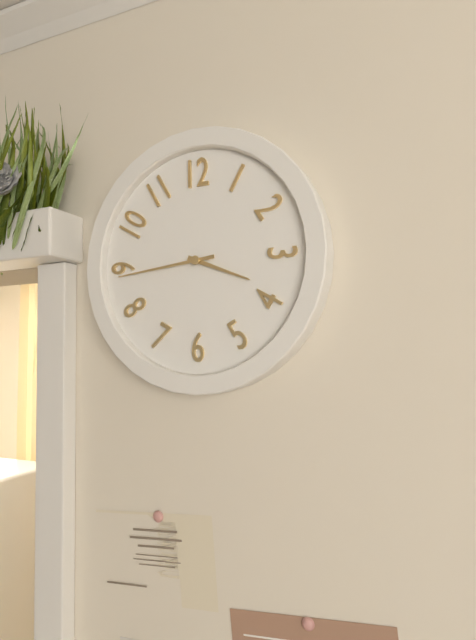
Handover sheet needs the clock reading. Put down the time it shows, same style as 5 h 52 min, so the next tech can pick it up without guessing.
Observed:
3 h 44 min
